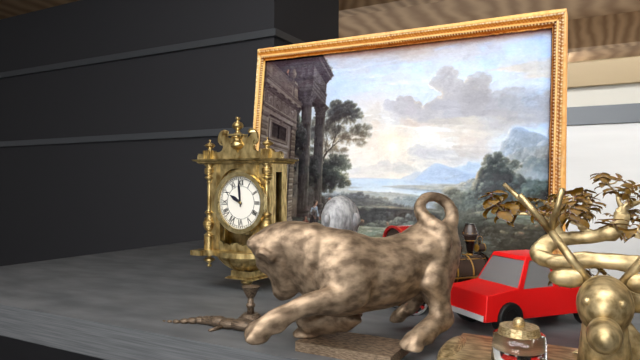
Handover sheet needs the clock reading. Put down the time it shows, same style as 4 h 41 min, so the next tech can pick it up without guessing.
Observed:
9 h 59 min
